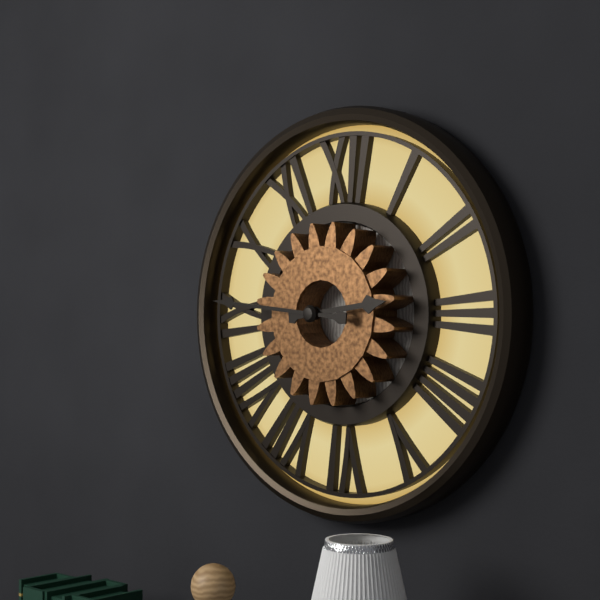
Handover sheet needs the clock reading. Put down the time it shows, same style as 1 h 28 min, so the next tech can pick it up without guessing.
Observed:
2 h 46 min
